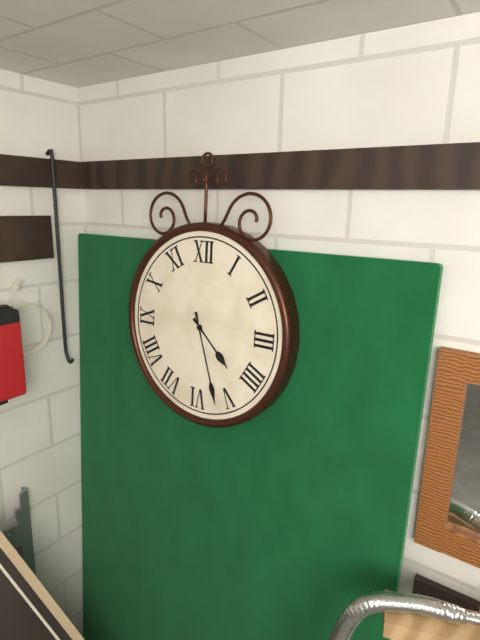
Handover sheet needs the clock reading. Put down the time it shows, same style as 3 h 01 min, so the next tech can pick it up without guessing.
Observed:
4 h 27 min
